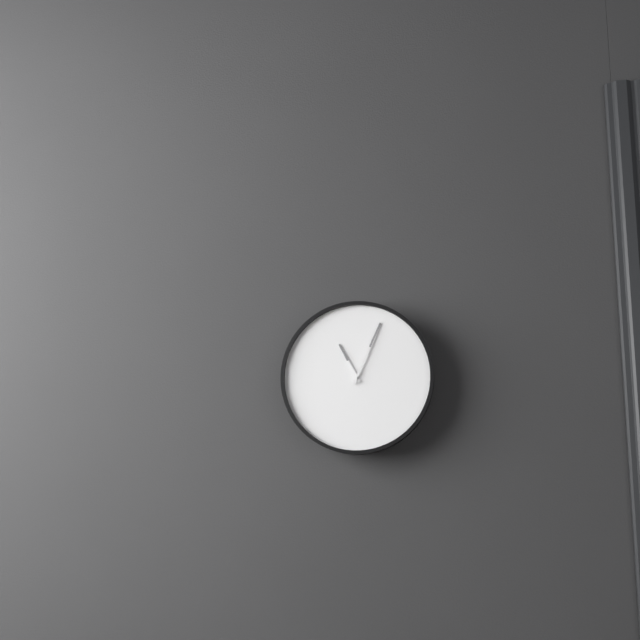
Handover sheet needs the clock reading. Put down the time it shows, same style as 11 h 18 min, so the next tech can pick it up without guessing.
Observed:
11 h 04 min
